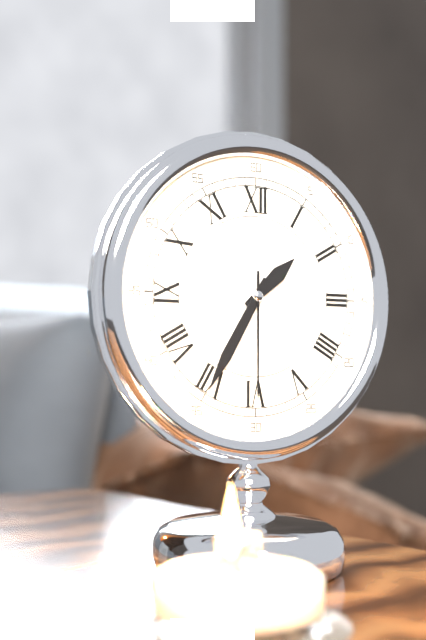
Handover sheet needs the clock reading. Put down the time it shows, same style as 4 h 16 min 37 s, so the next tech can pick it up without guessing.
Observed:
1 h 35 min 30 s
